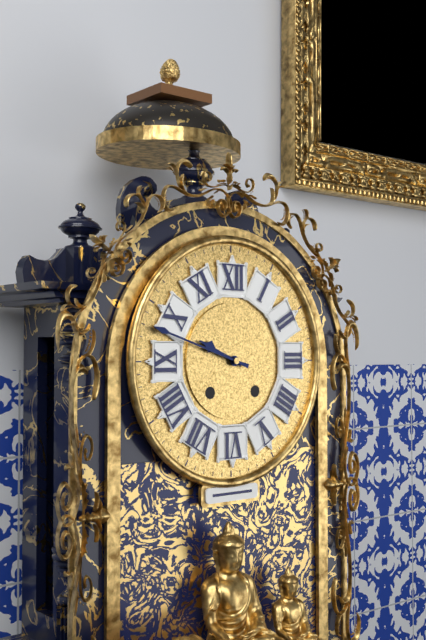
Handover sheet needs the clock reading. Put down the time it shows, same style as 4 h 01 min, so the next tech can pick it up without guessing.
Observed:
9 h 48 min
